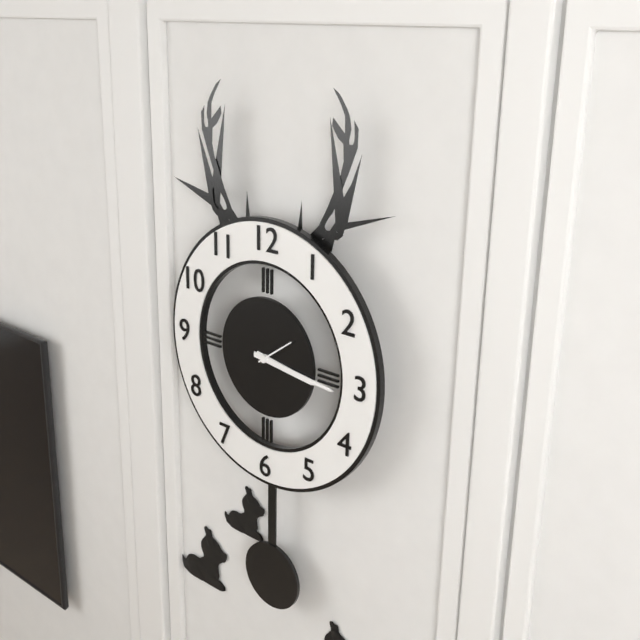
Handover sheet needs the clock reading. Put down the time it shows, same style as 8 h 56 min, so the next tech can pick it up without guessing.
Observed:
3 h 16 min
